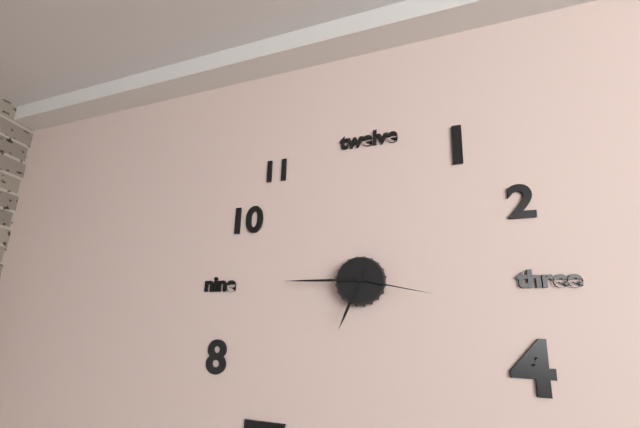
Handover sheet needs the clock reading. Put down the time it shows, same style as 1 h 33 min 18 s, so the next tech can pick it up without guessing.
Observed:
6 h 45 min 17 s
